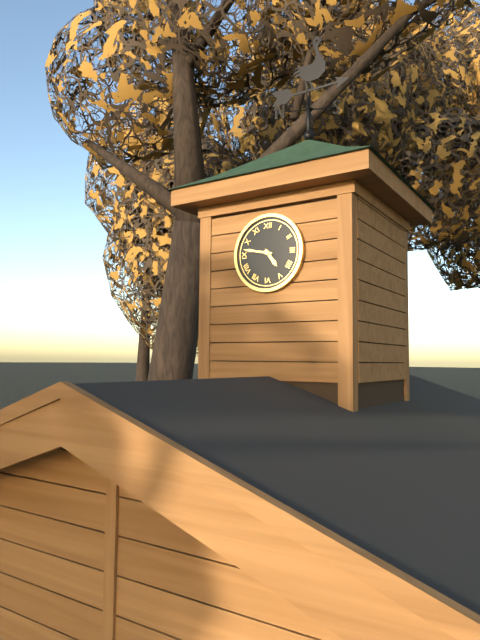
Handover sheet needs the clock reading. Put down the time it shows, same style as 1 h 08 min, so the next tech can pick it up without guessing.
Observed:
4 h 47 min
